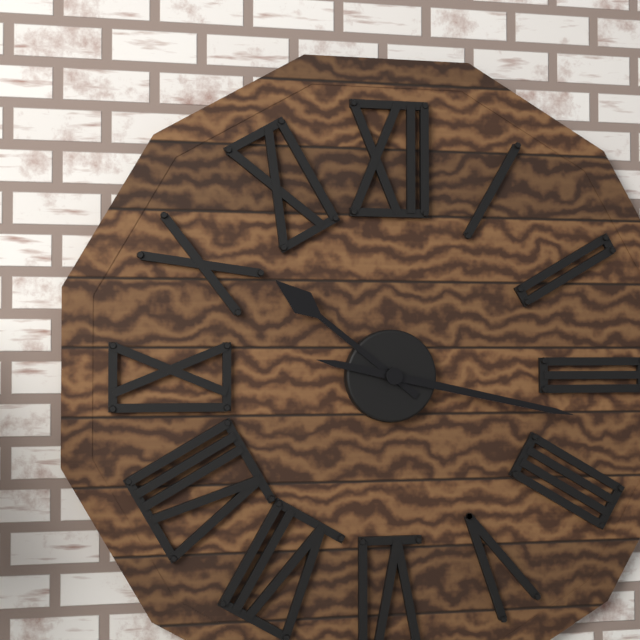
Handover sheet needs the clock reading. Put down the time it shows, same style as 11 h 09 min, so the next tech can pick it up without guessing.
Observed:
10 h 17 min
